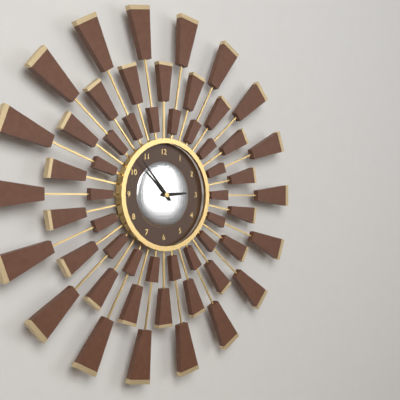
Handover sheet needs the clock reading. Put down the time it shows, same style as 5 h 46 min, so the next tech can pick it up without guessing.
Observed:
2 h 53 min
